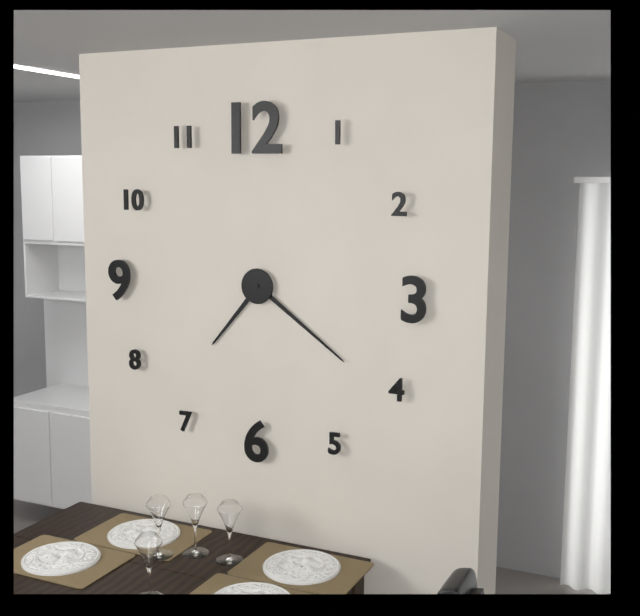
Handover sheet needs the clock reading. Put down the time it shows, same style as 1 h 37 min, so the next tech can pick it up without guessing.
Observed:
7 h 21 min
